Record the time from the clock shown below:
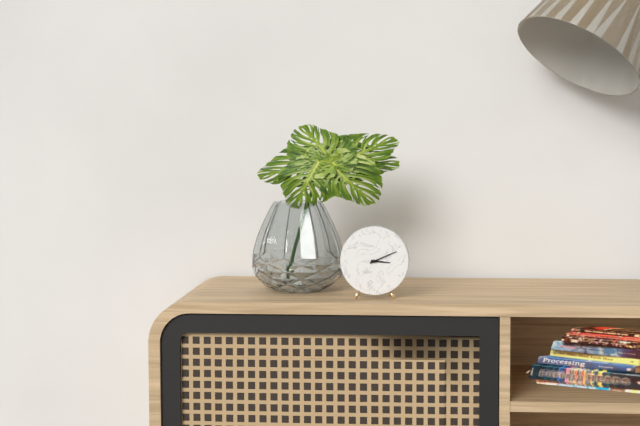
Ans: 3:11
